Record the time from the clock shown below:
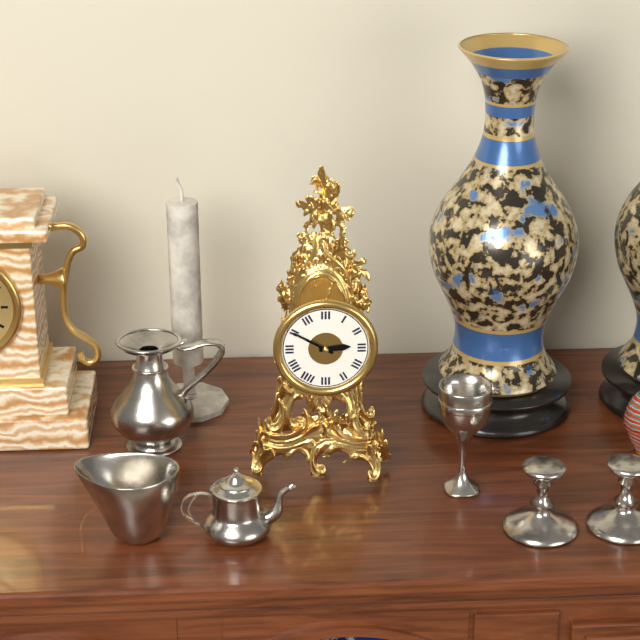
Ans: 2:50
